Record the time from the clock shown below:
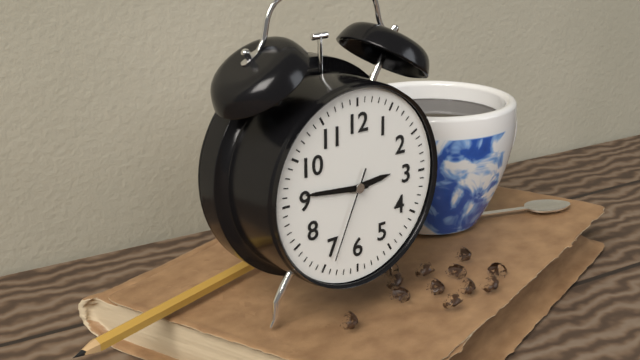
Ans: 2:46:34
